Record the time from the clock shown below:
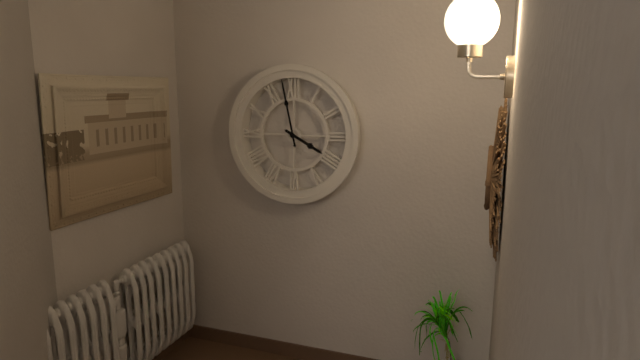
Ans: 3:58
